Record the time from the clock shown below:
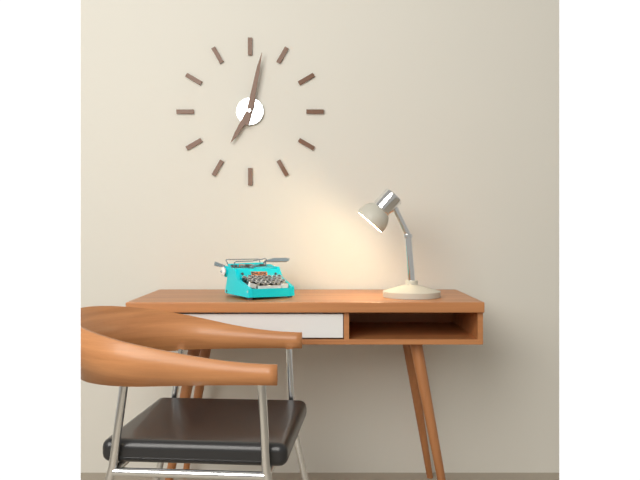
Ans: 7:02
